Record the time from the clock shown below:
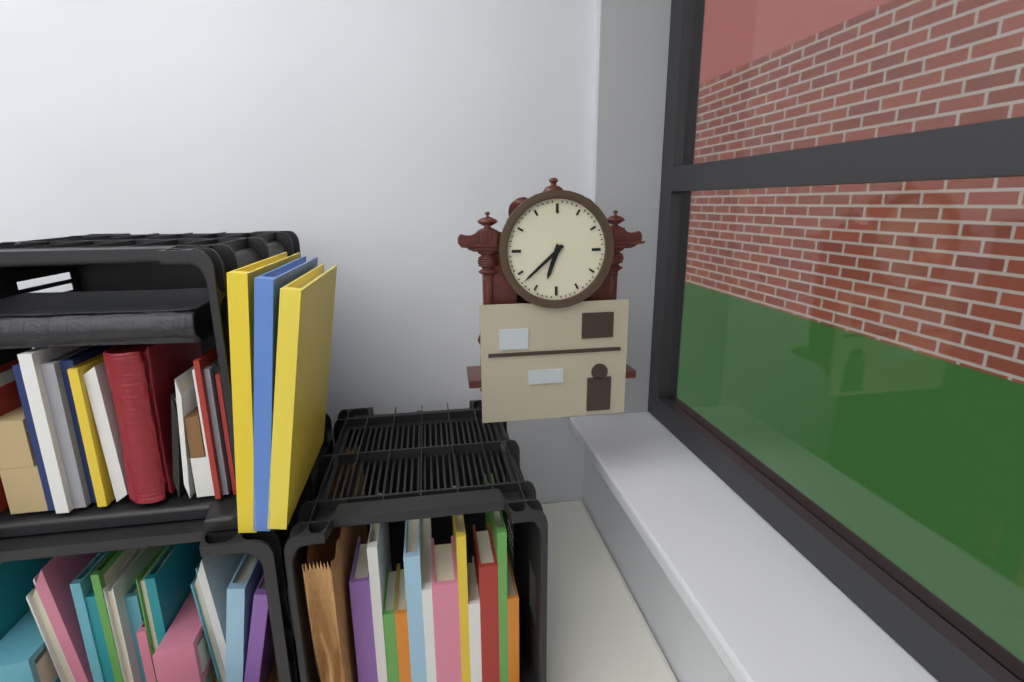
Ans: 6:38
